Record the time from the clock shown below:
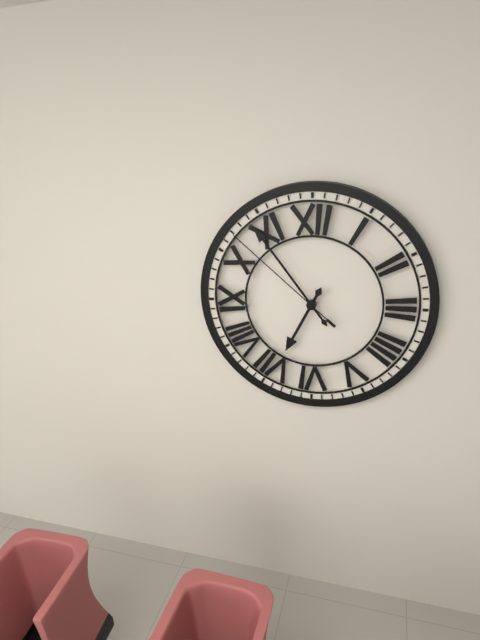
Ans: 6:54:52
